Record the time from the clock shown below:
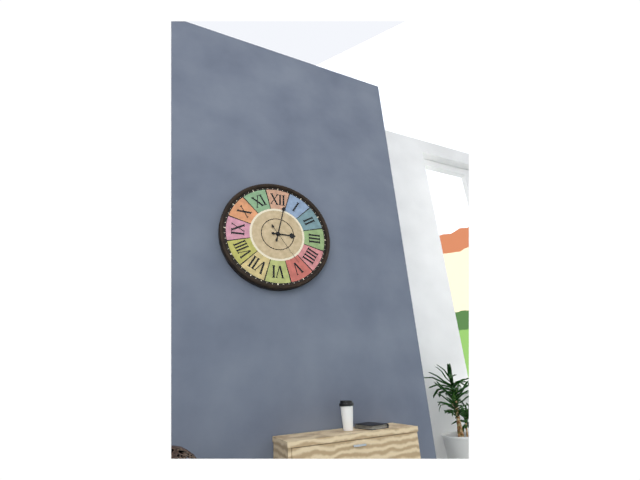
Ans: 3:02
